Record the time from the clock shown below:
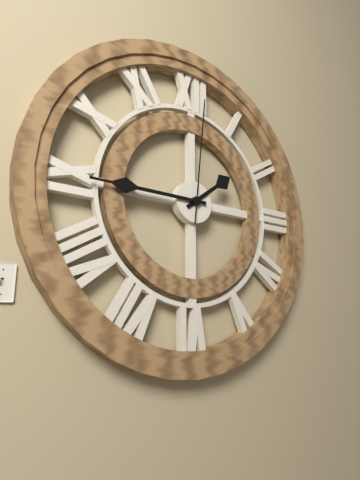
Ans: 1:45:01
